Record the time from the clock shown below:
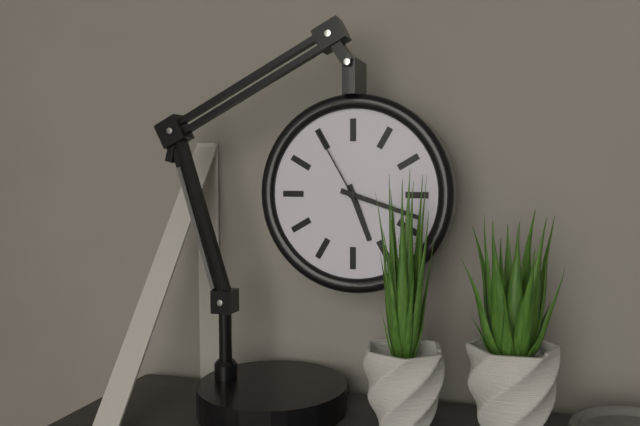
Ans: 5:18:55
